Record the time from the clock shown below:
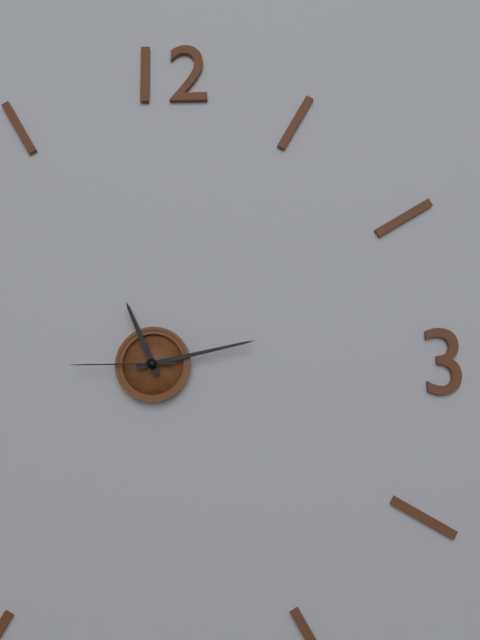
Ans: 11:13:45
